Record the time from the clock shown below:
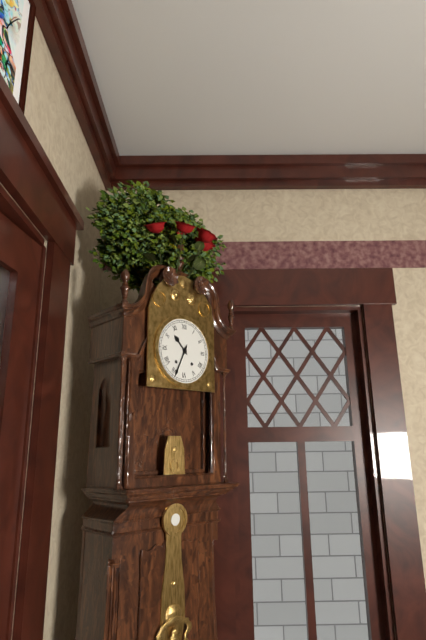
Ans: 10:34
